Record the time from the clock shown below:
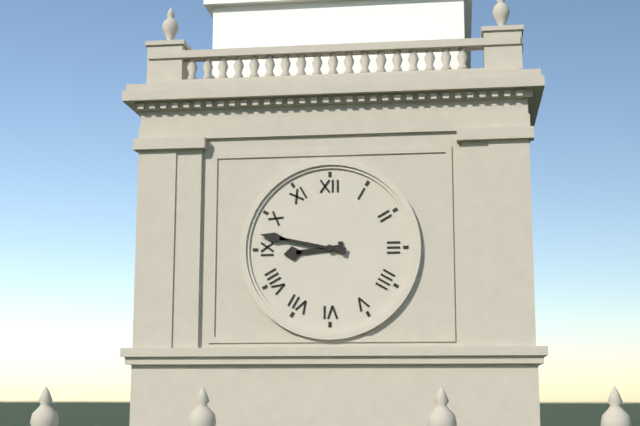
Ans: 8:47
